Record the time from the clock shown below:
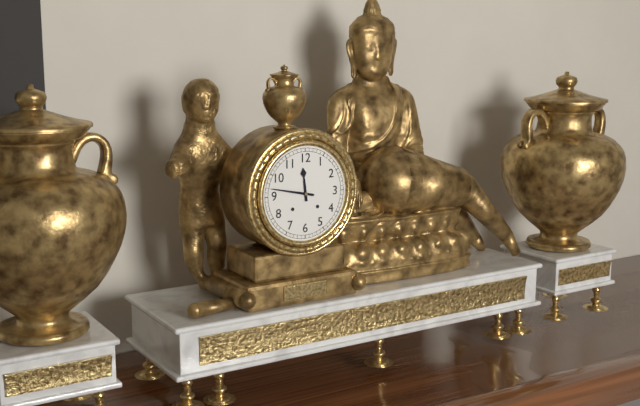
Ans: 11:47
